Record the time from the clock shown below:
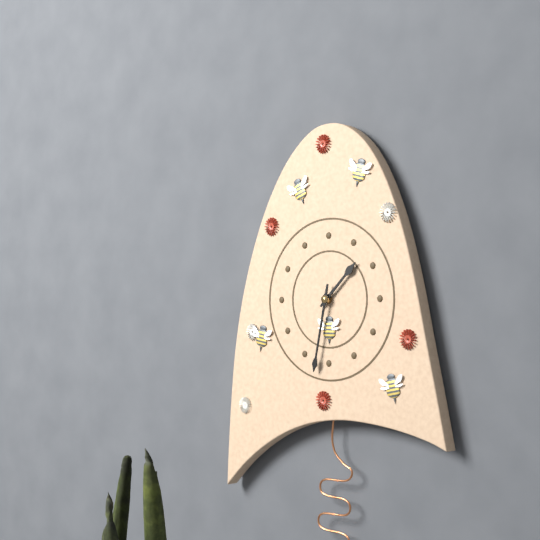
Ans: 1:32
